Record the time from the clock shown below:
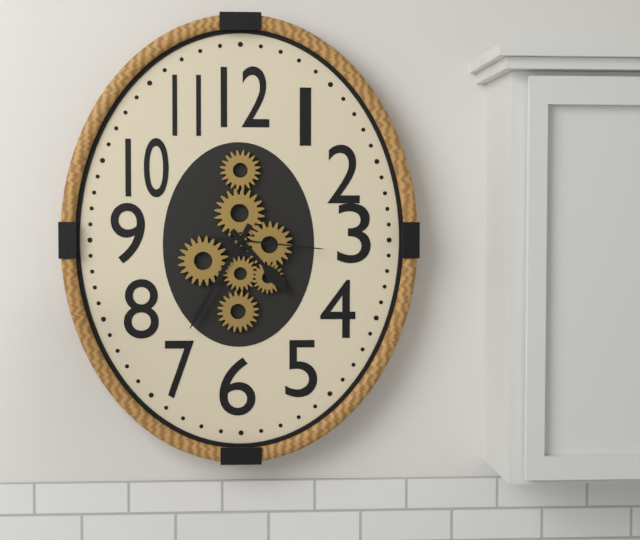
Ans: 4:35:16
